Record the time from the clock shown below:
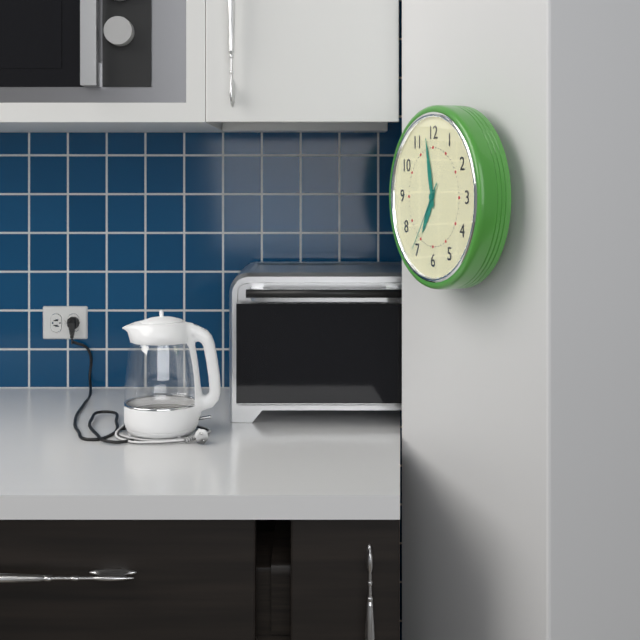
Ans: 6:58:36
